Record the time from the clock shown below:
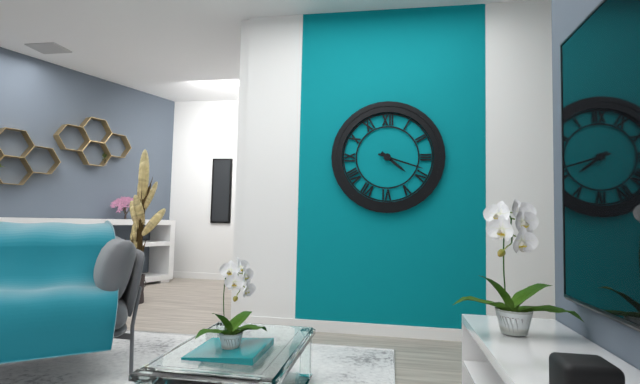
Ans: 4:18
